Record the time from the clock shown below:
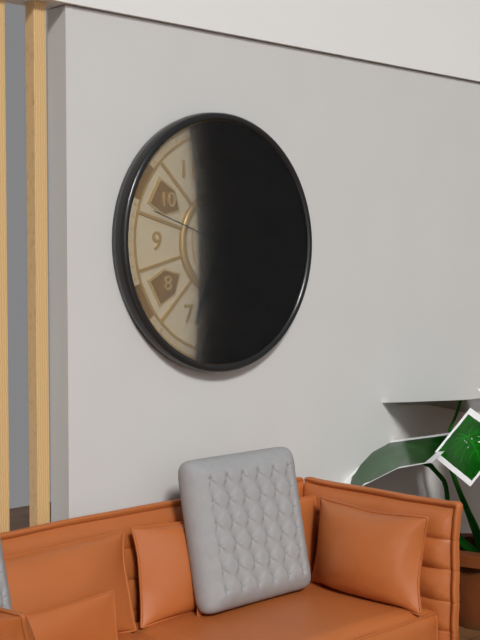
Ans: 6:34:48
